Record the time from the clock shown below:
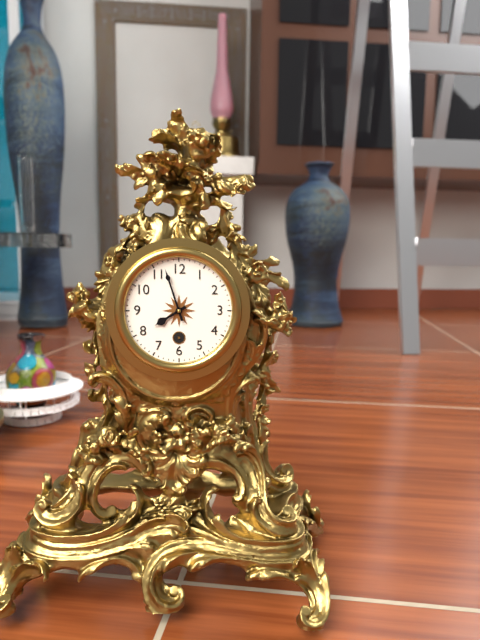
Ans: 7:57
